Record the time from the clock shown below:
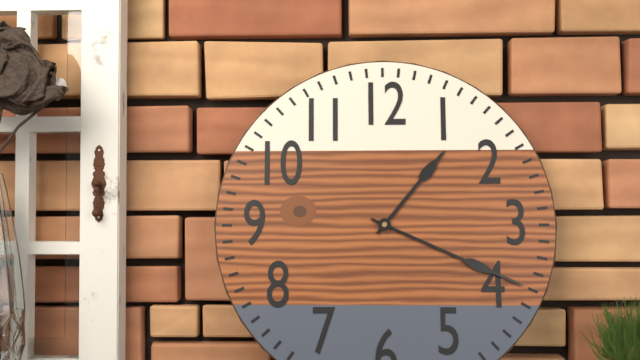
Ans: 1:19
